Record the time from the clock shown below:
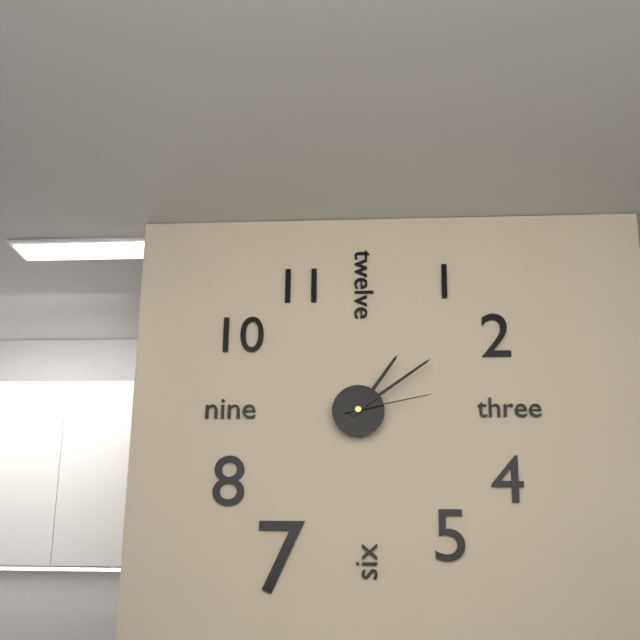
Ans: 1:09:13
